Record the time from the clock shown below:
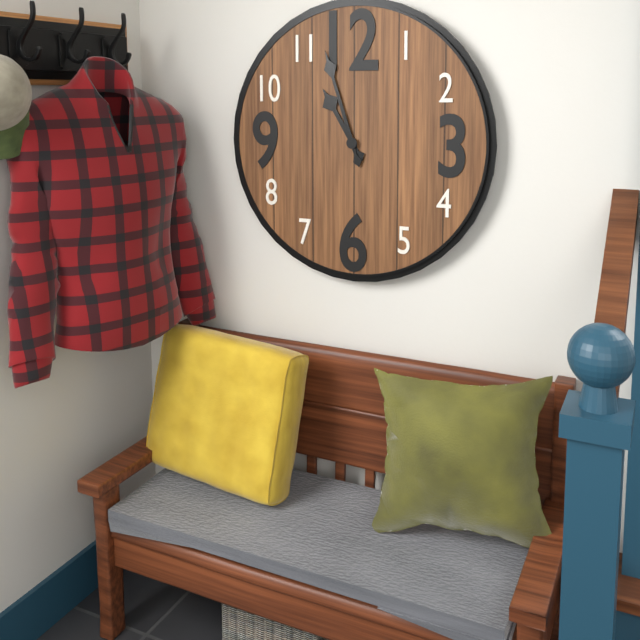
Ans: 10:57
